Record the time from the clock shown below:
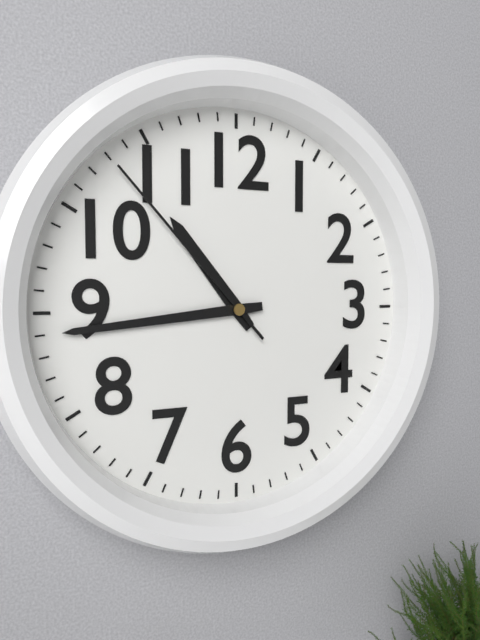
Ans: 10:44:53
